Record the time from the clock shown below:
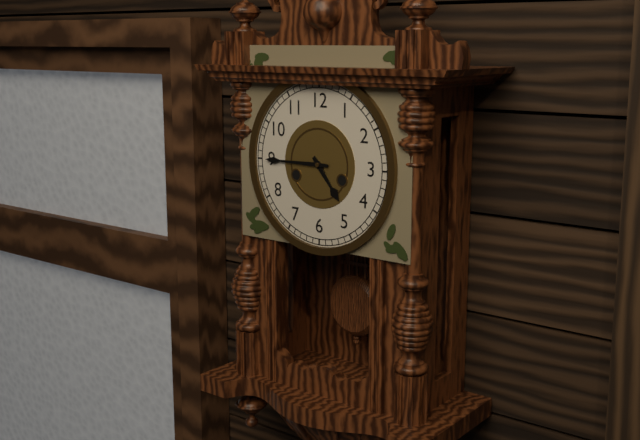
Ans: 4:45
